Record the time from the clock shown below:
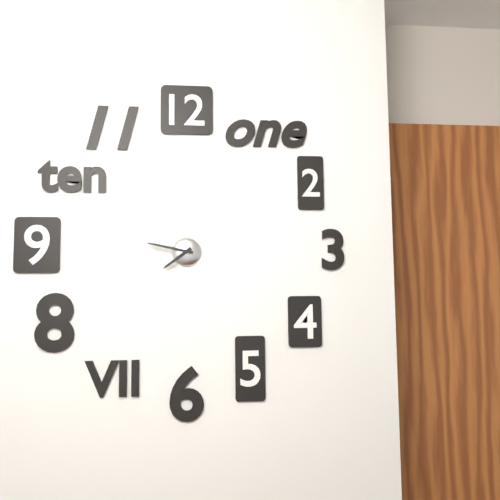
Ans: 7:47
